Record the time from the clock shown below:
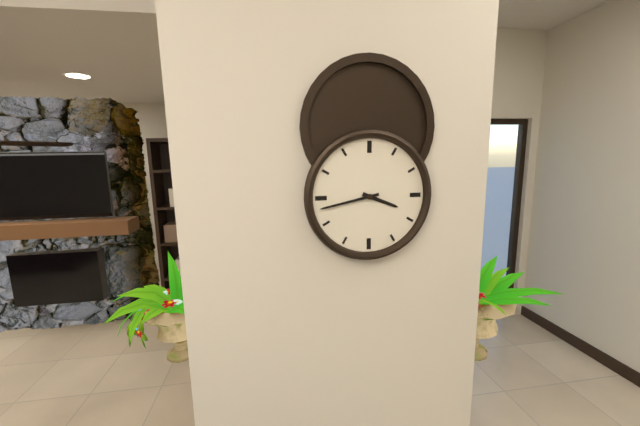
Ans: 3:43
